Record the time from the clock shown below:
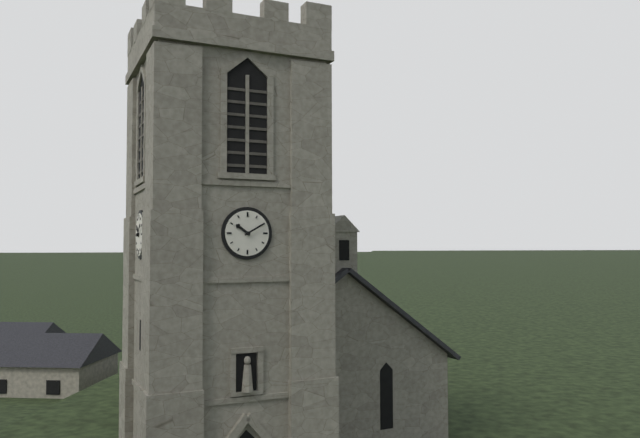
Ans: 10:10
